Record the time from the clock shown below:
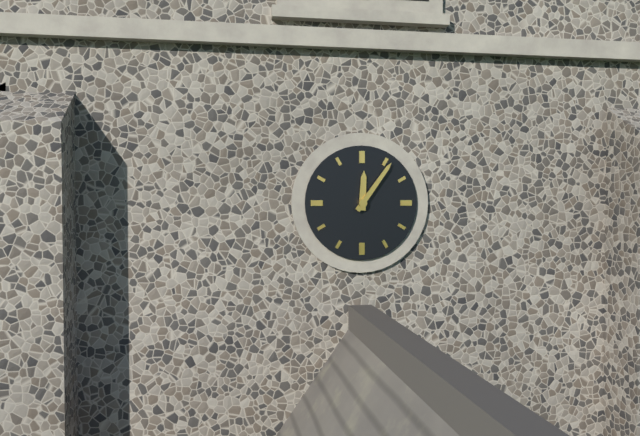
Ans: 12:06
